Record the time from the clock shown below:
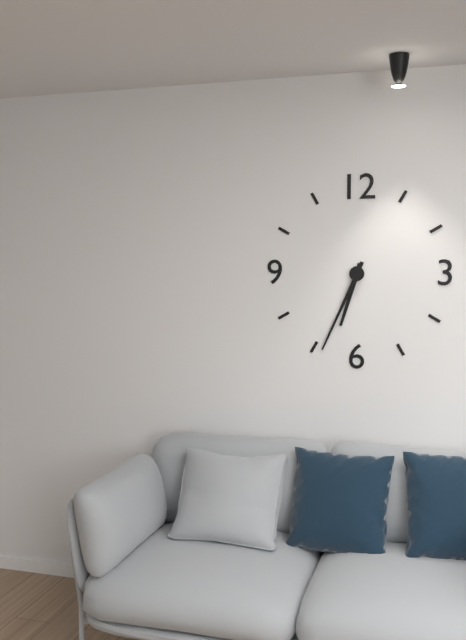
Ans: 6:34
